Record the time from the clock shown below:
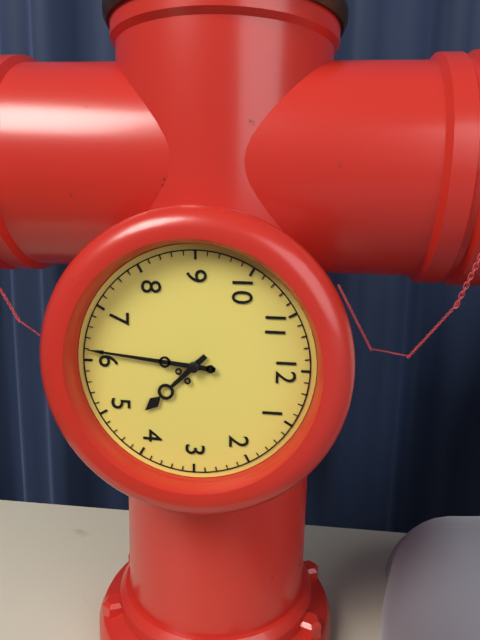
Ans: 4:31
